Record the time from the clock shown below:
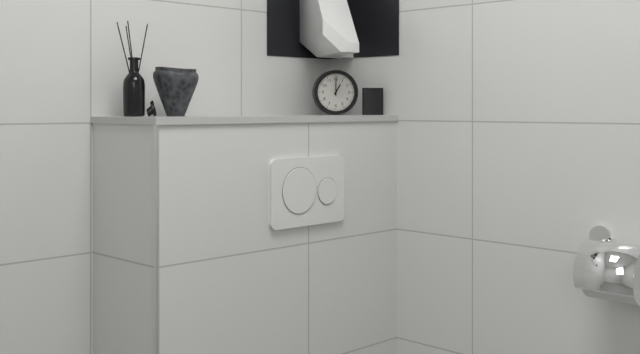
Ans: 1:00
